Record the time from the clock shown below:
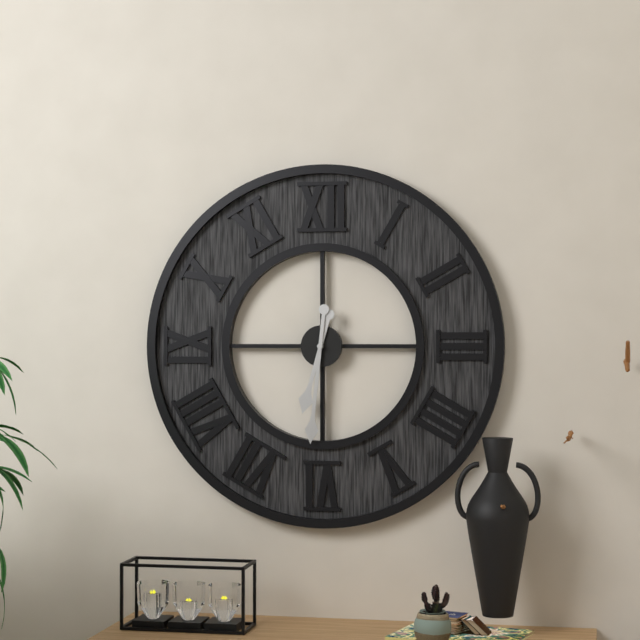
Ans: 6:31
